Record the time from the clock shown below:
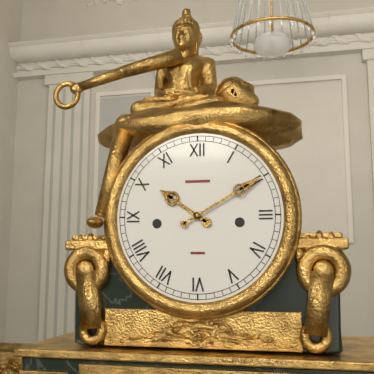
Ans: 10:10
